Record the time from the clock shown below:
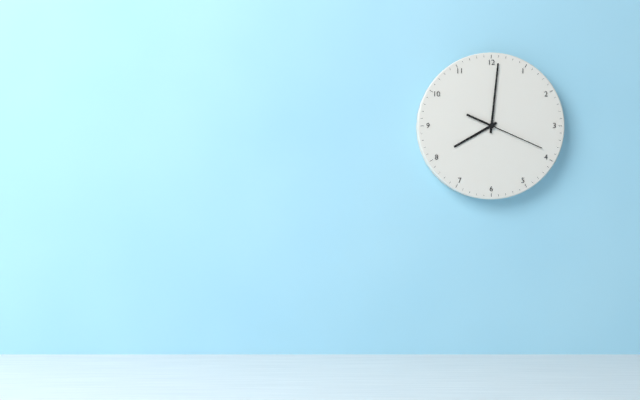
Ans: 8:01:19
